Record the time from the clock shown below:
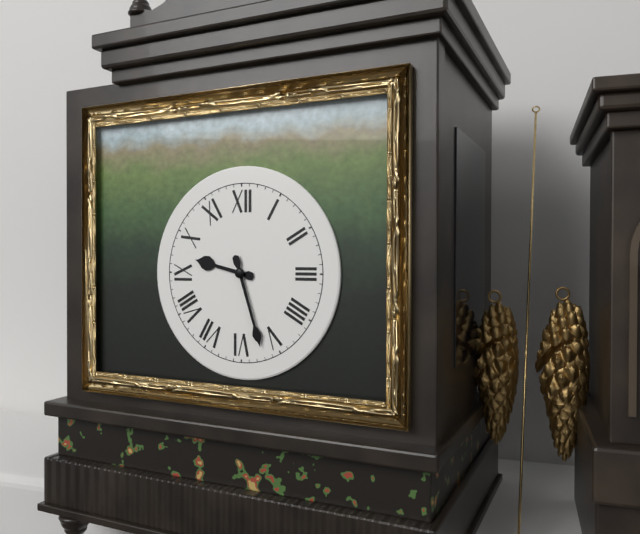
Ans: 9:27
